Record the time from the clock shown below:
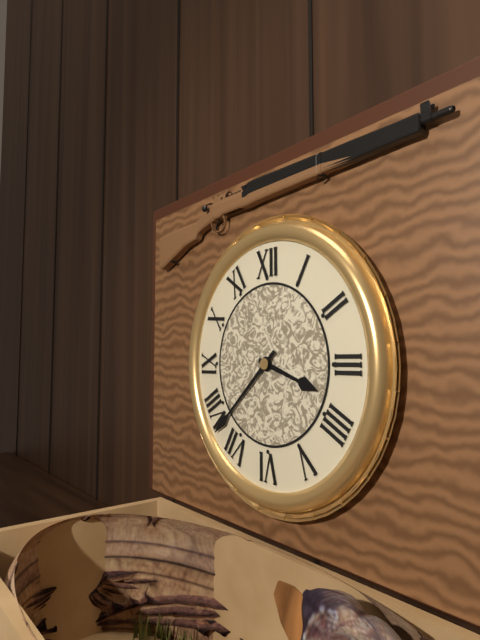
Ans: 3:38
